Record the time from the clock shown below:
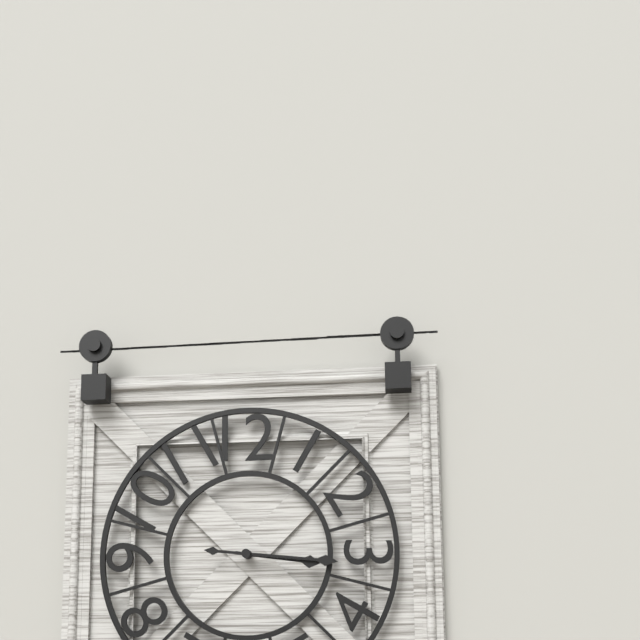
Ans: 3:16
